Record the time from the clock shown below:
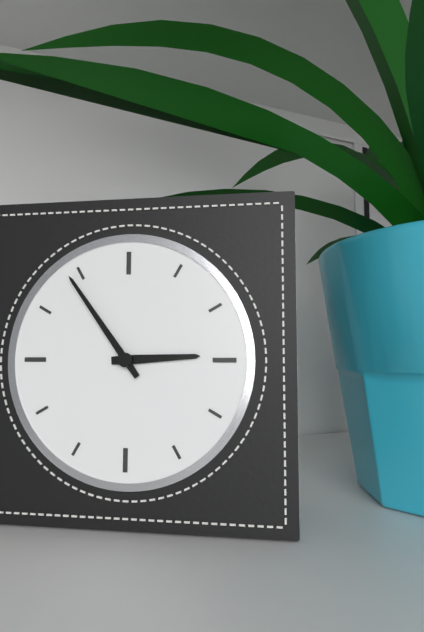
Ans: 2:54
